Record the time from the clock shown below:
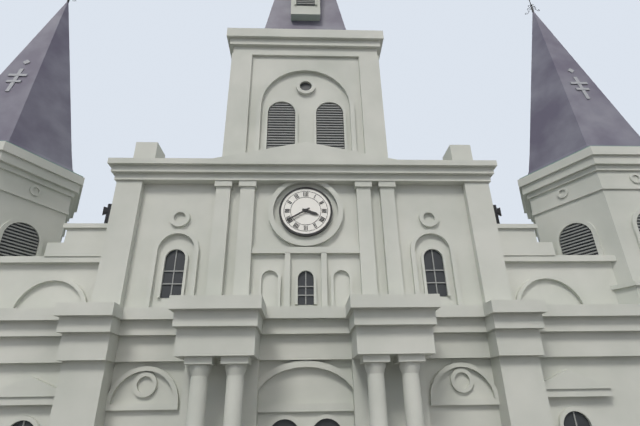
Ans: 3:40
